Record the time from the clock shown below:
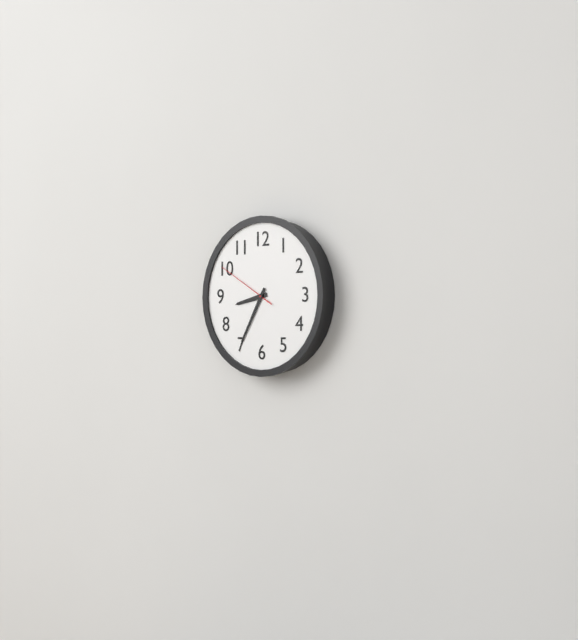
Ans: 8:35:50
